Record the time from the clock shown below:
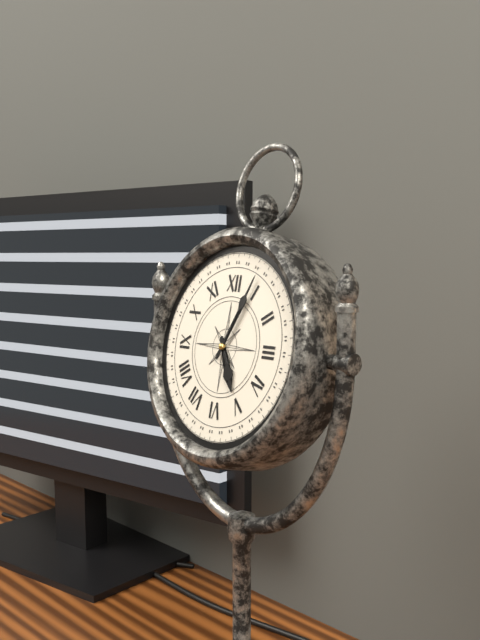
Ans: 5:04
